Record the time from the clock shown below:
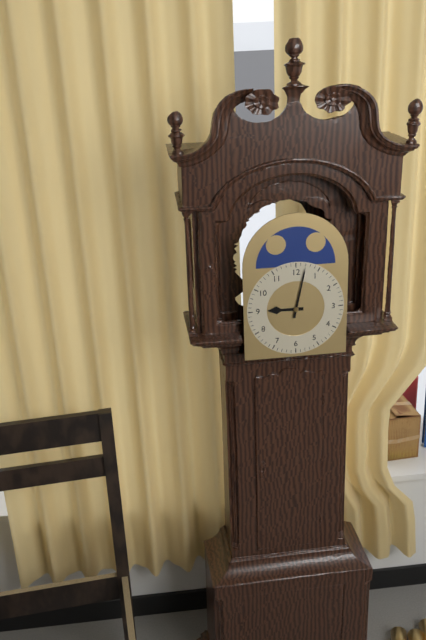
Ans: 9:02
